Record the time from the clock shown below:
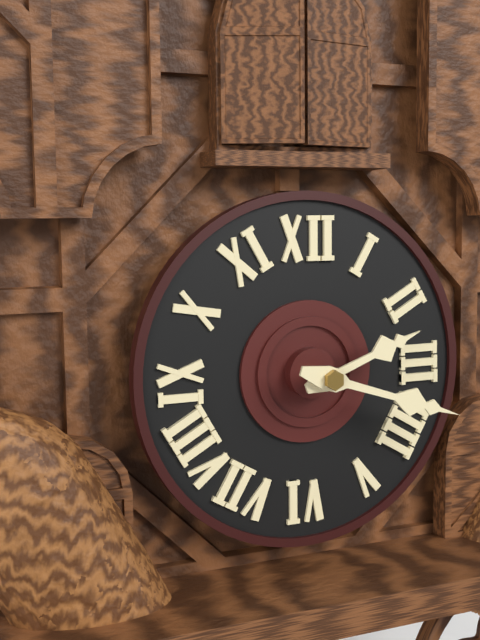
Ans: 2:18
